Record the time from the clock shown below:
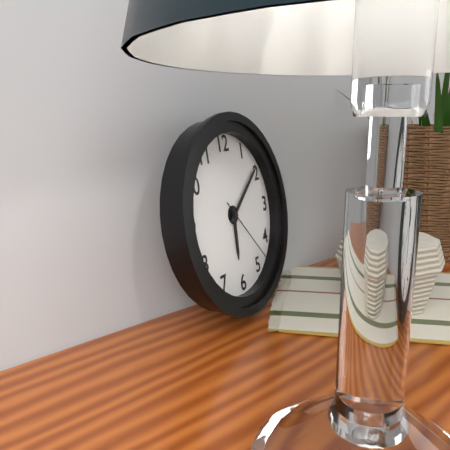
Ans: 6:09:23
